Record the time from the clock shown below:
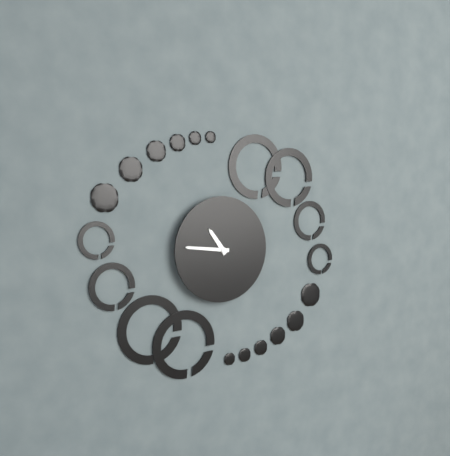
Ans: 10:46
